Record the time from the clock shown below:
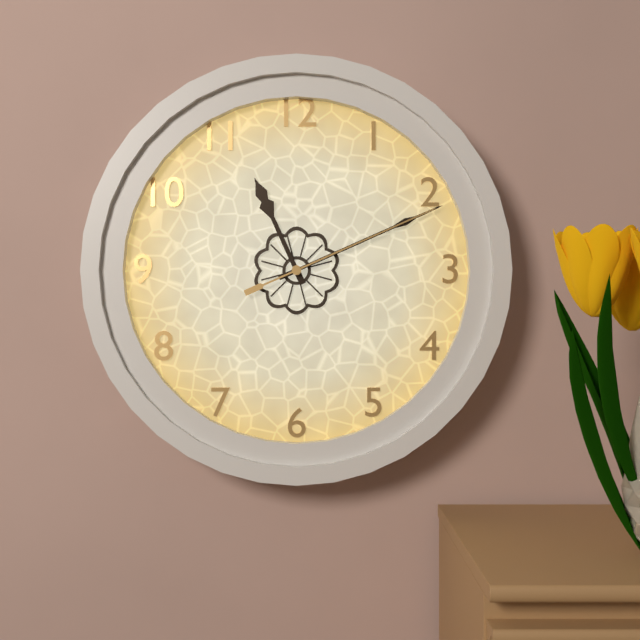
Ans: 11:11:11
